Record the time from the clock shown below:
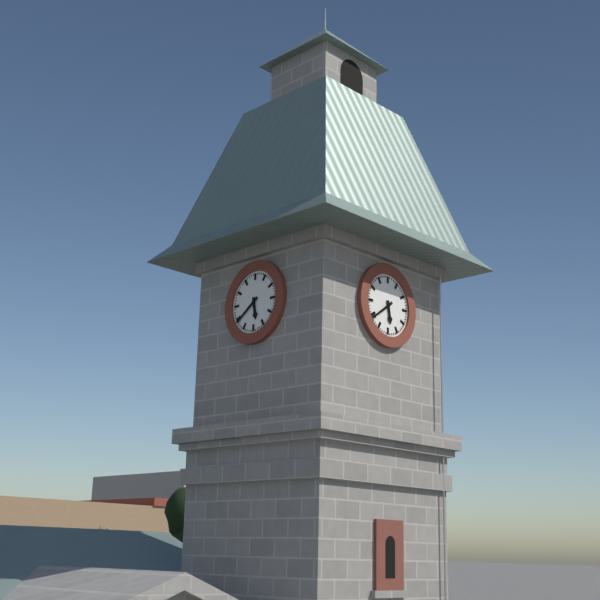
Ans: 5:39
